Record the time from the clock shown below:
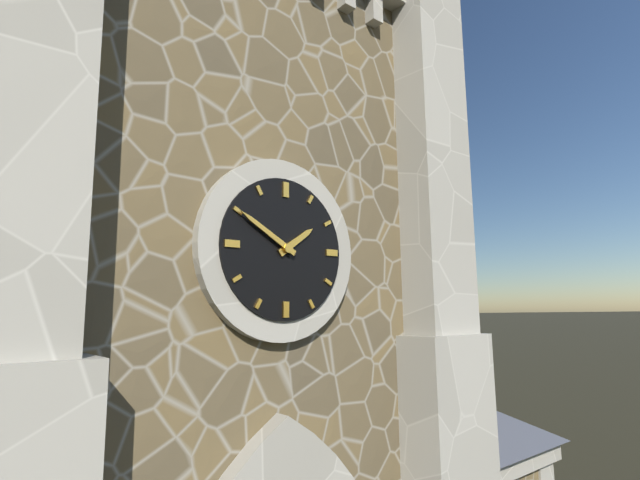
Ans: 1:50
